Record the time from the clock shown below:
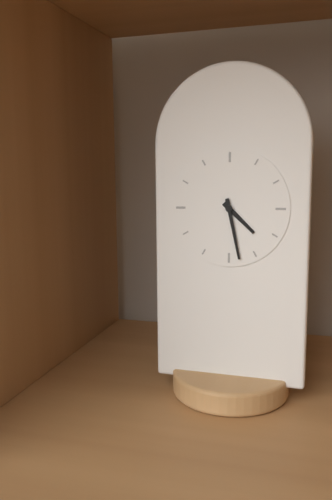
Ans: 4:28
